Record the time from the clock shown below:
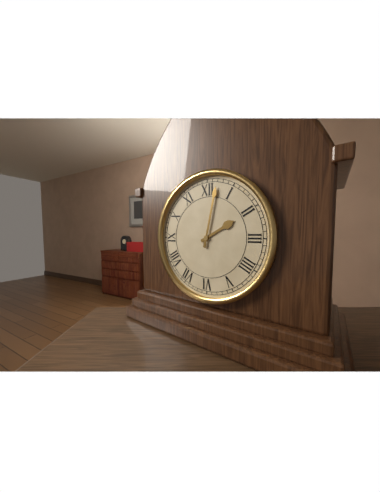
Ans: 2:02
